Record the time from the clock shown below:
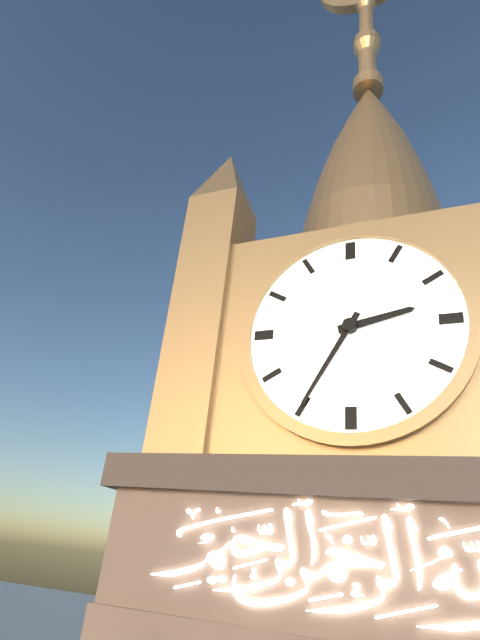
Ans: 2:35
